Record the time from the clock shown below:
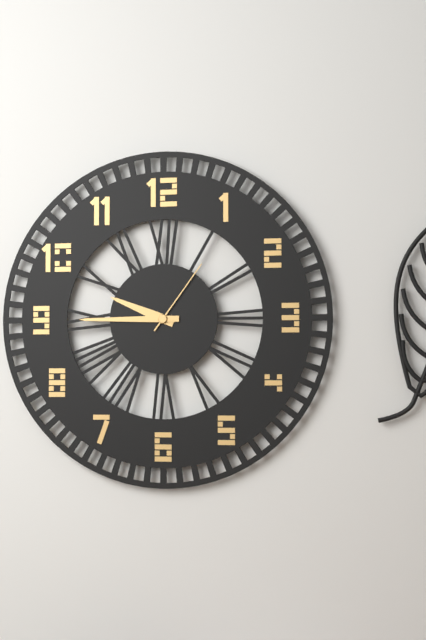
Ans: 9:45:06
